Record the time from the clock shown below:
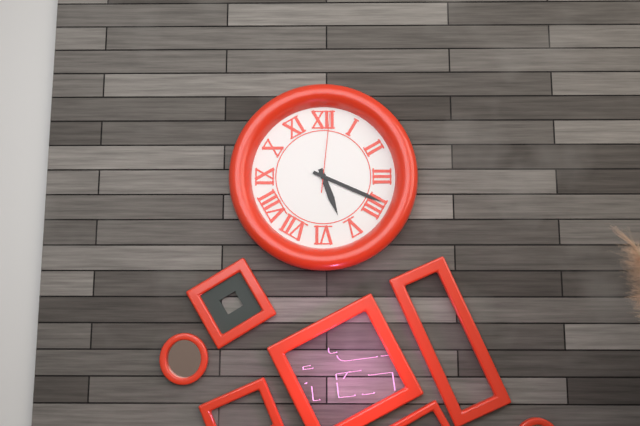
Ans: 5:19:01
